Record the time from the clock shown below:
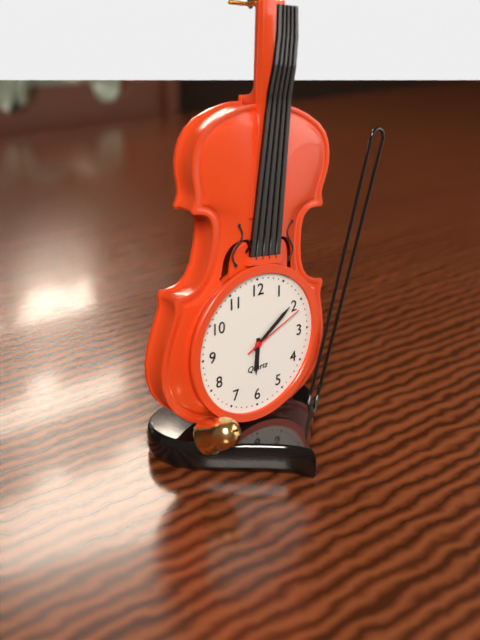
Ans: 6:09:11
